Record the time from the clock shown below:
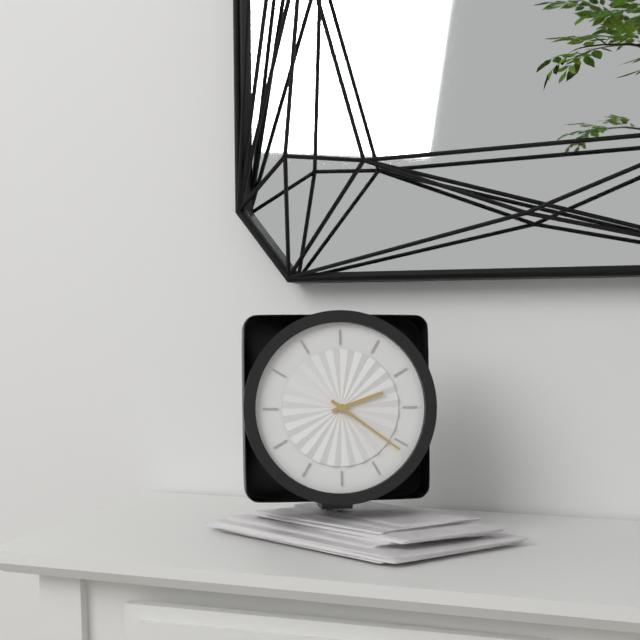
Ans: 2:21
